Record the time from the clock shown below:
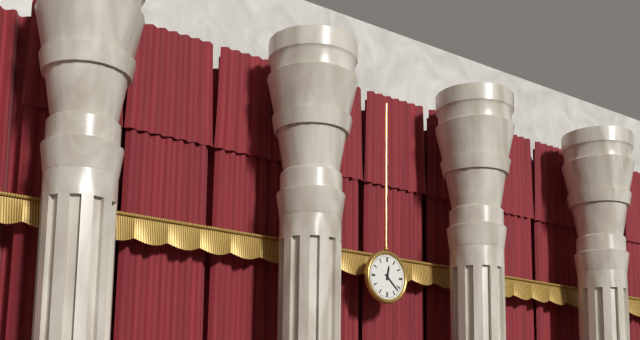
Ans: 12:22
